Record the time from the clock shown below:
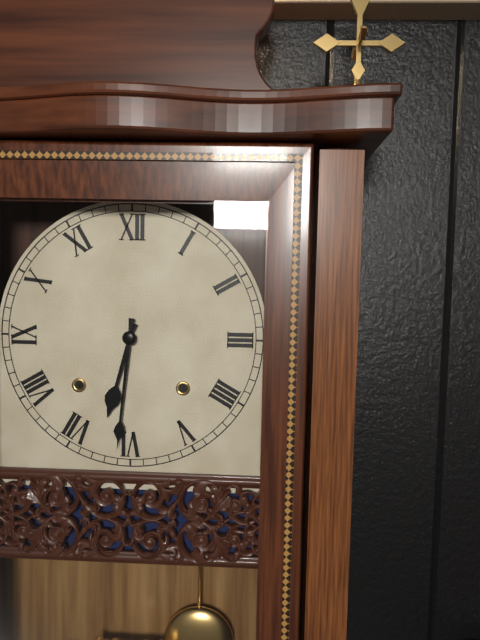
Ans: 6:31
